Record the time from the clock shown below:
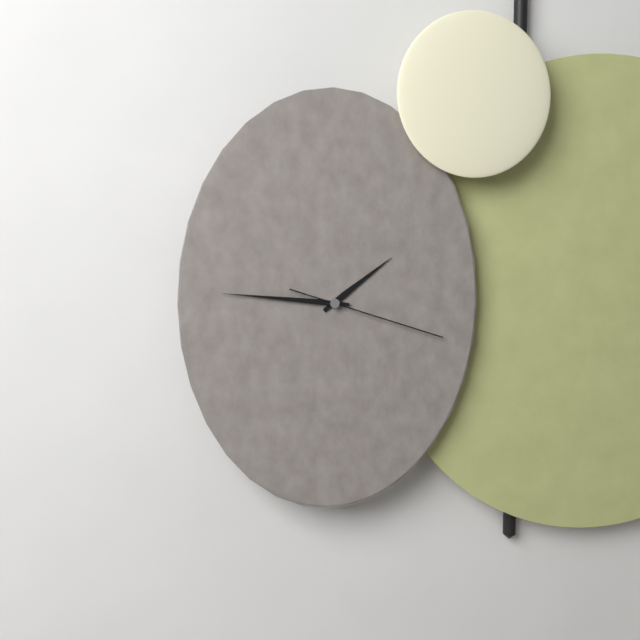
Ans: 1:46:18
